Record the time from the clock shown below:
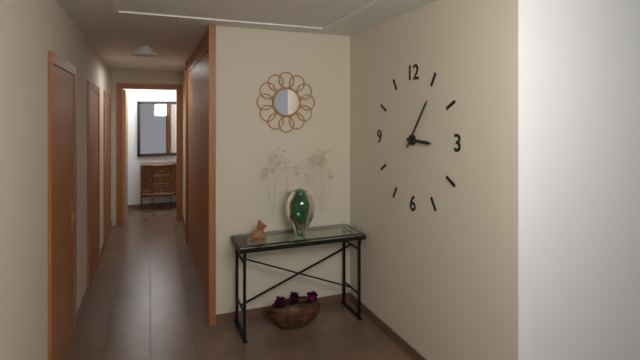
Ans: 3:06
